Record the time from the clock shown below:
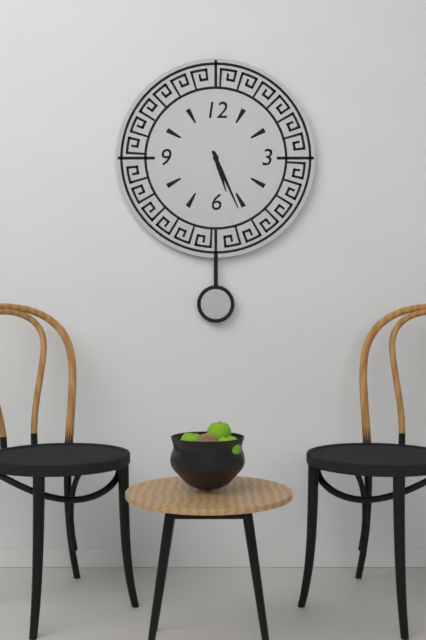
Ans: 5:26
